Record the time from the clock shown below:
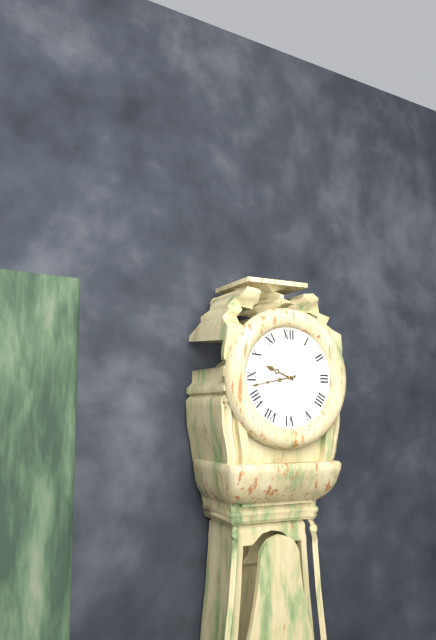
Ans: 9:43
